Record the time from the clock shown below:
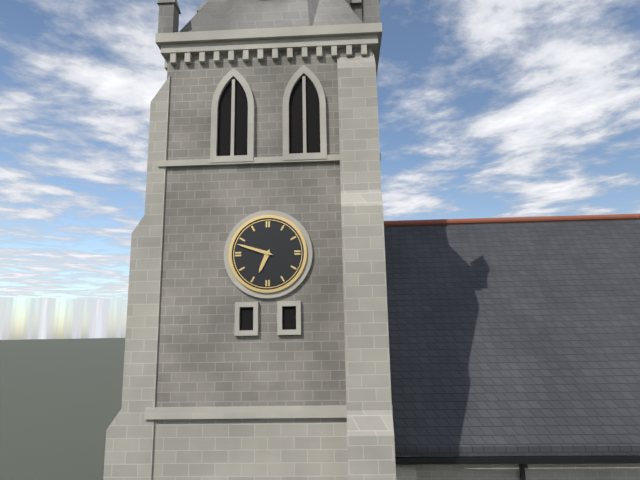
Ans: 6:48
